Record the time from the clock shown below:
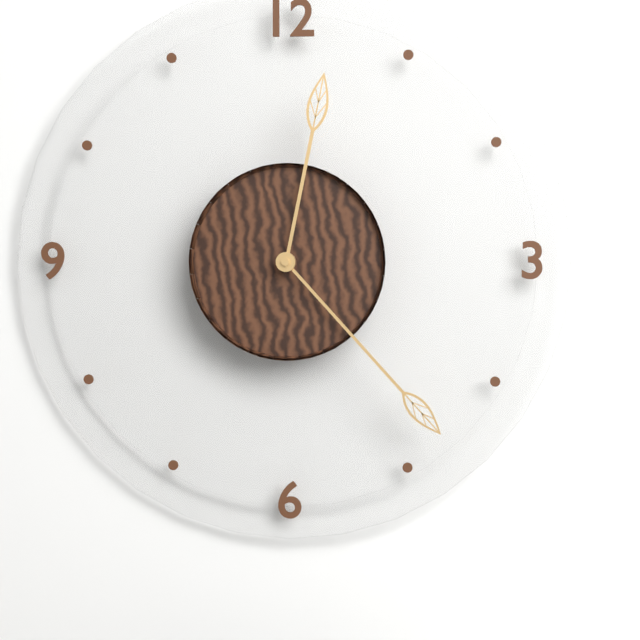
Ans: 12:23
